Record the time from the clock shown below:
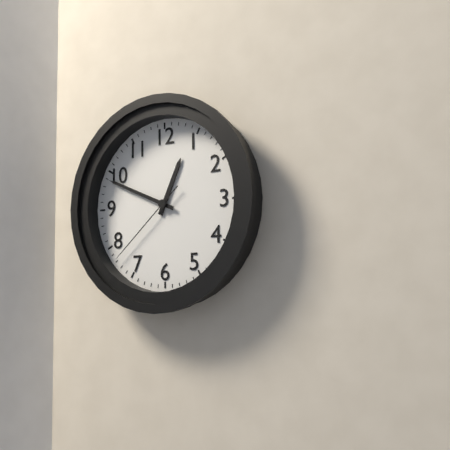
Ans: 12:49:38
